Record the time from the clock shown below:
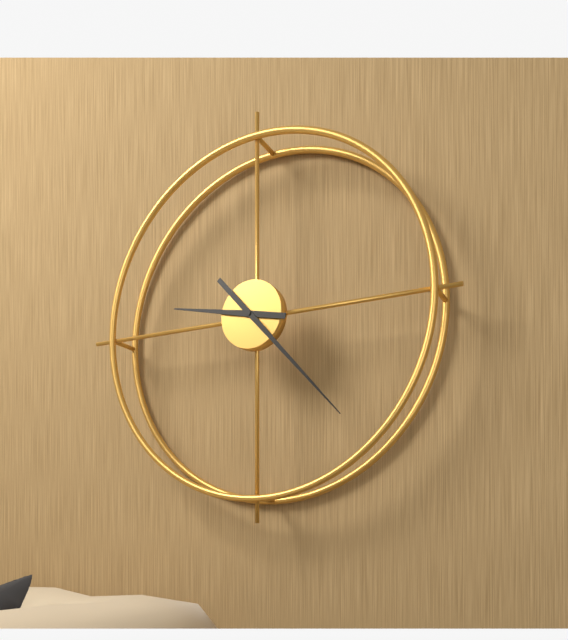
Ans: 9:23
